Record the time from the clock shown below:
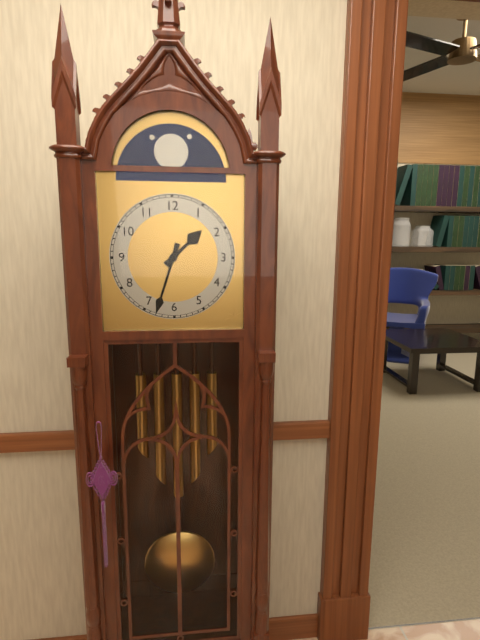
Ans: 1:33
